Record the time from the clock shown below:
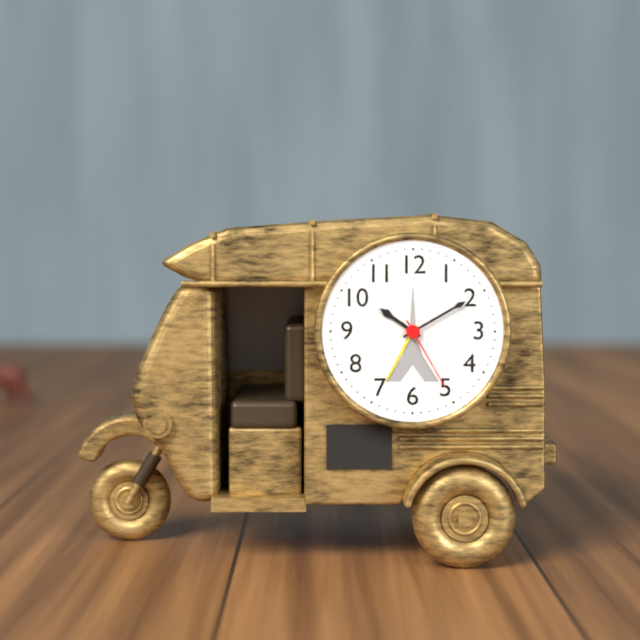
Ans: 10:10:25
